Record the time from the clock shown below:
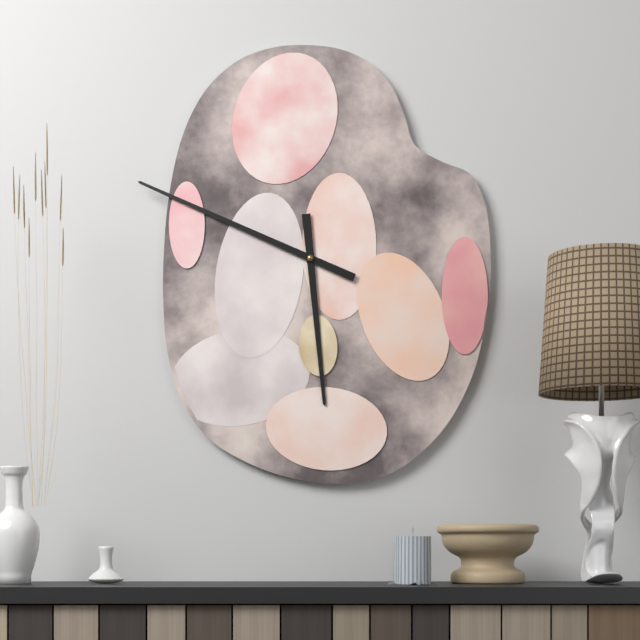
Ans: 5:49
